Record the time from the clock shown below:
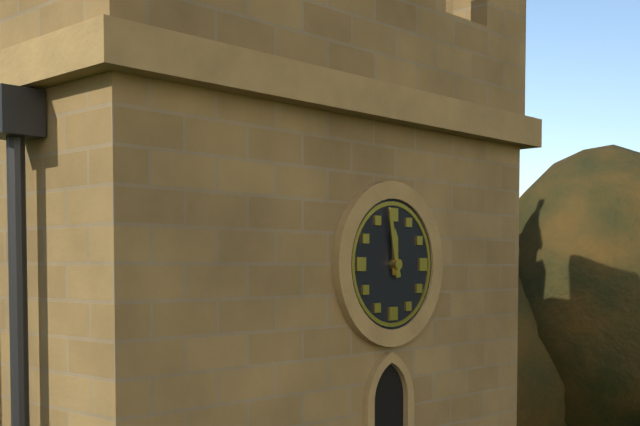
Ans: 11:58
